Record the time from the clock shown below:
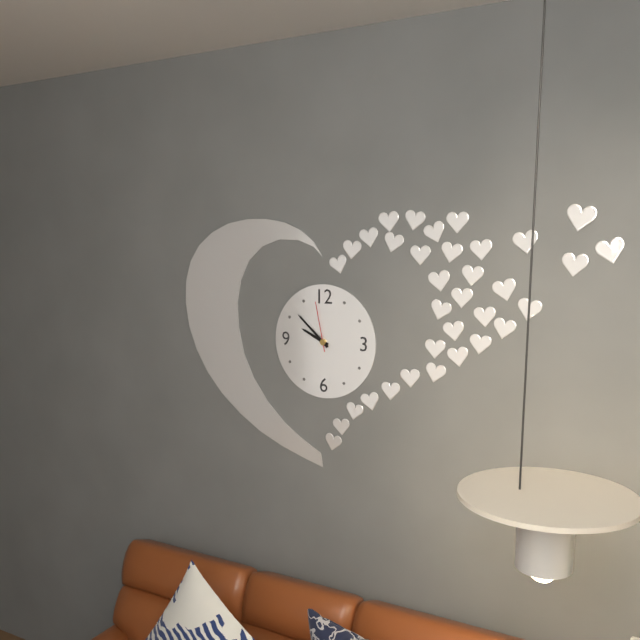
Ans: 9:52:58
